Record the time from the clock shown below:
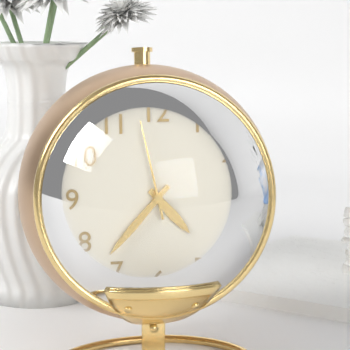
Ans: 4:37:58
